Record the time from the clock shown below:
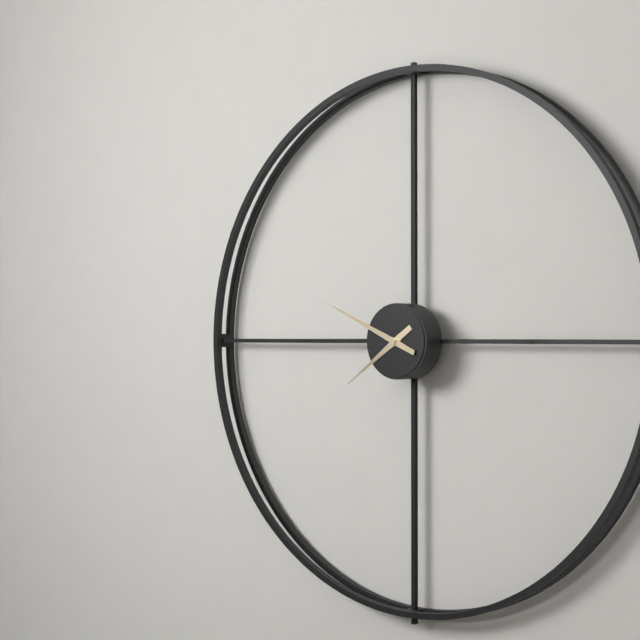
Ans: 7:49
